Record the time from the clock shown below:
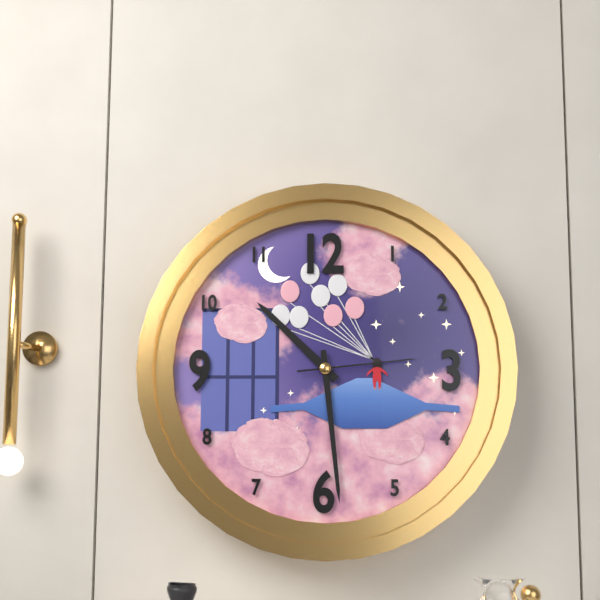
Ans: 10:29:14
